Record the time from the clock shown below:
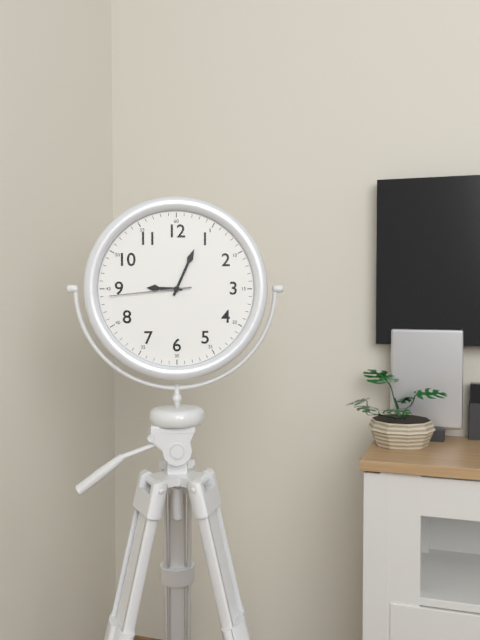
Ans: 9:04:44
